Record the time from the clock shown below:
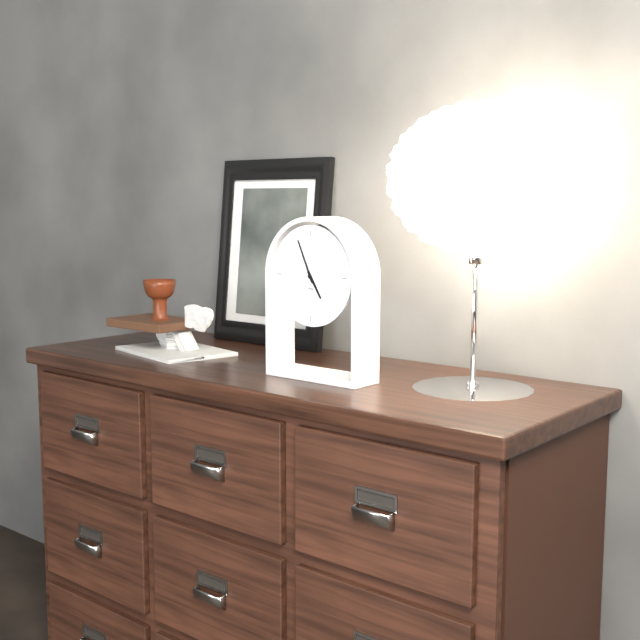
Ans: 4:56
